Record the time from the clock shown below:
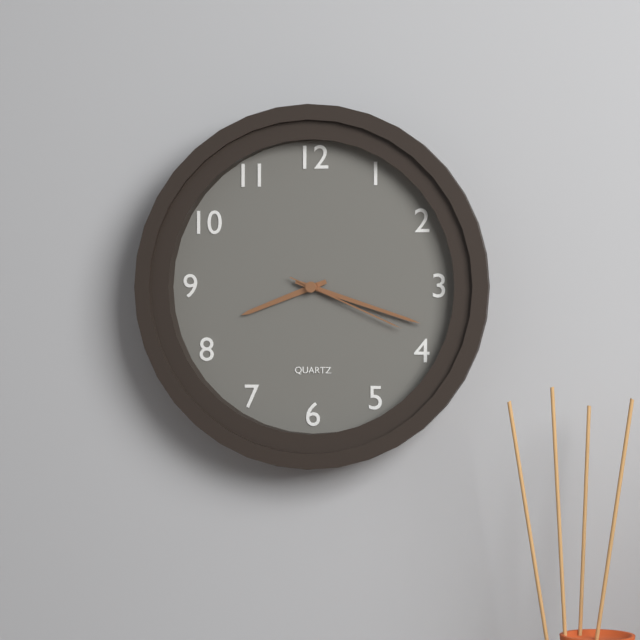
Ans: 8:18:19
